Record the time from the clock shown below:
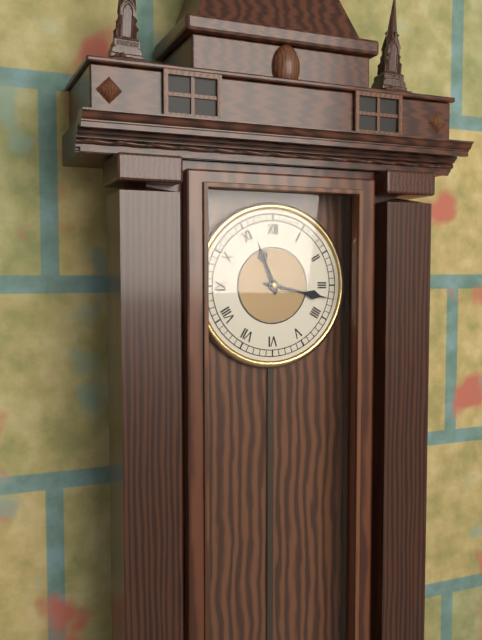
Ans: 11:17
